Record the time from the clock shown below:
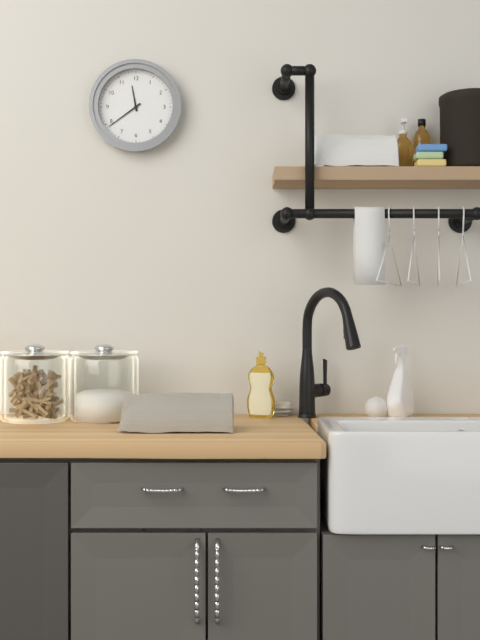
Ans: 11:39
